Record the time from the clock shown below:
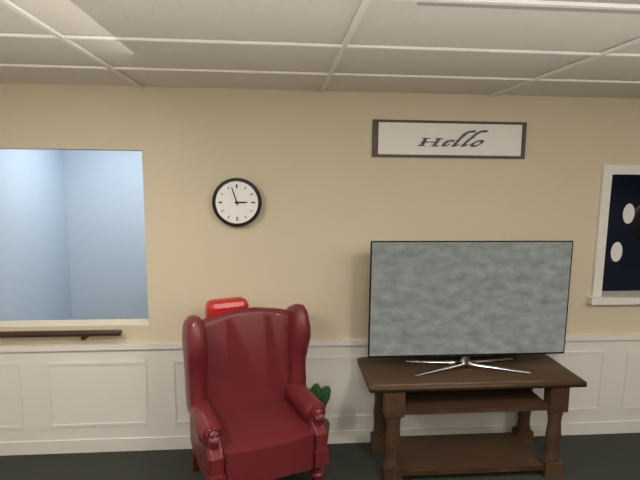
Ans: 2:57
